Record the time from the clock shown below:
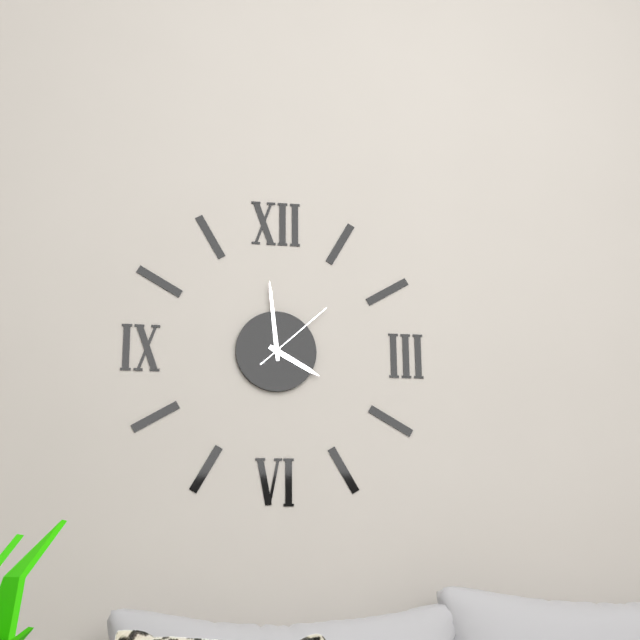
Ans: 3:59:08
